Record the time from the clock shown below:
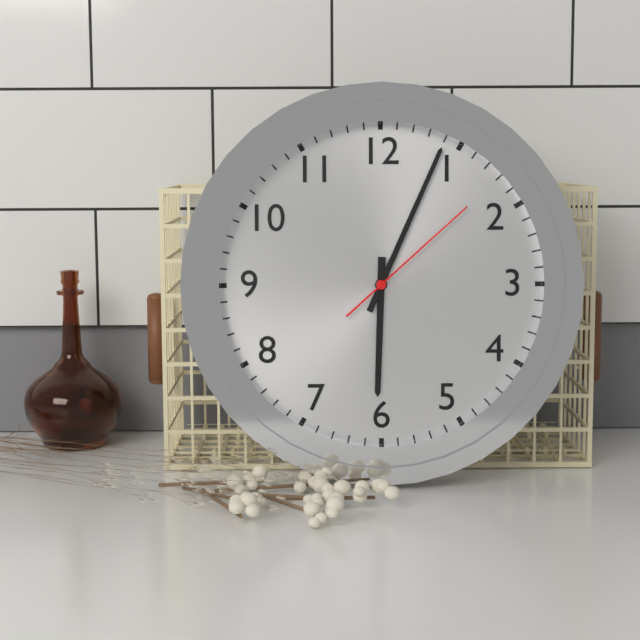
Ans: 6:04:08
